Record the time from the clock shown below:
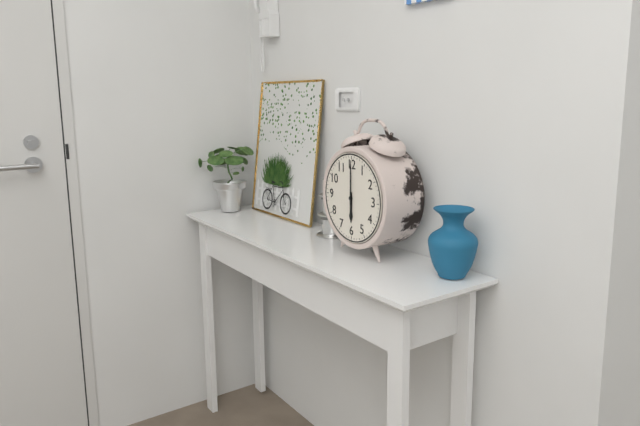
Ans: 6:00
